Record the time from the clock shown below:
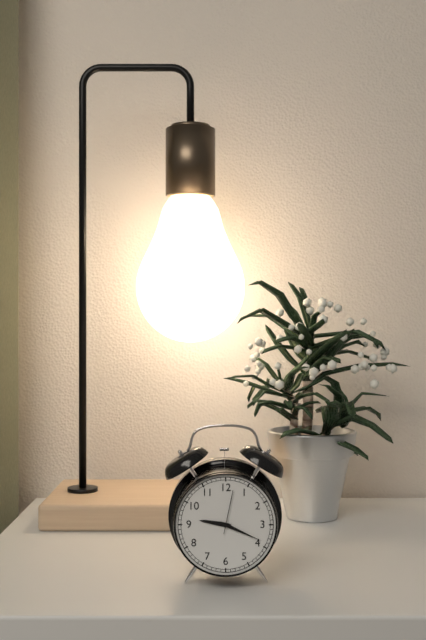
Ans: 9:19
